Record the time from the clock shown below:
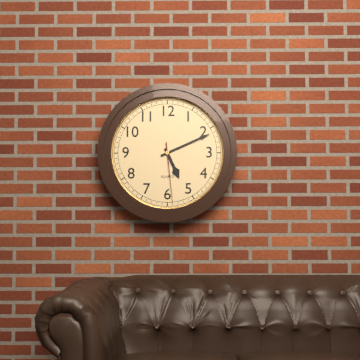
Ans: 5:11:29
